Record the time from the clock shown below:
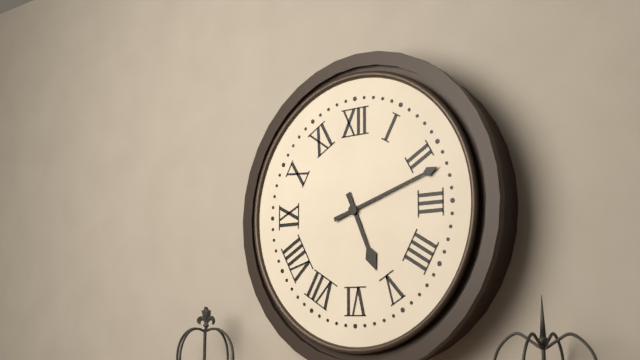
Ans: 5:12
